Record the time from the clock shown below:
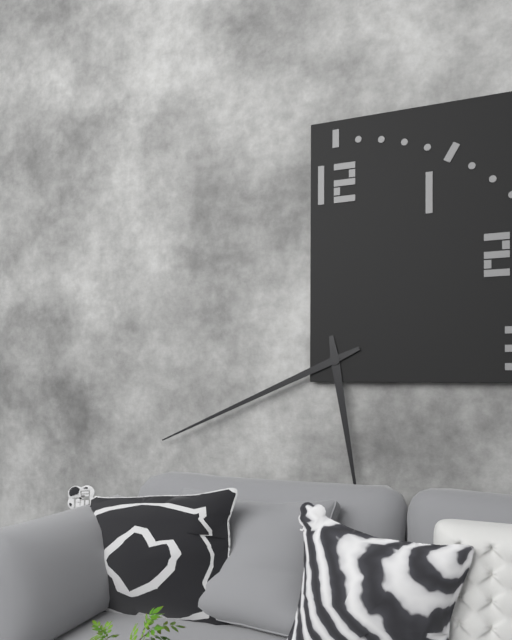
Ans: 5:41
